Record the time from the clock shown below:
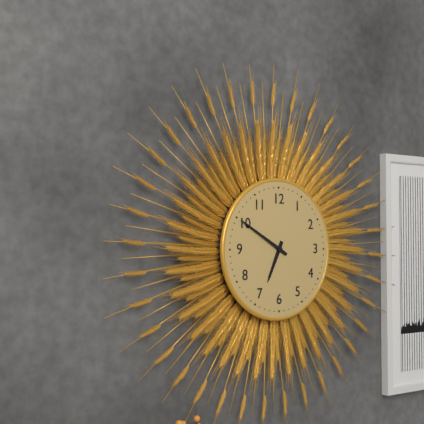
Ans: 6:50
